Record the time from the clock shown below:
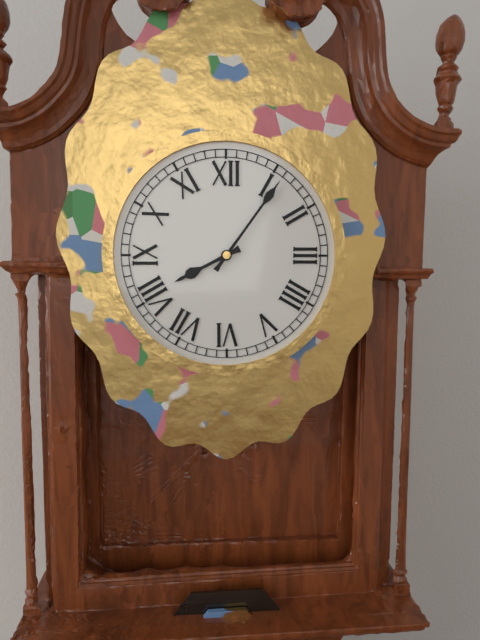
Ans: 8:06
